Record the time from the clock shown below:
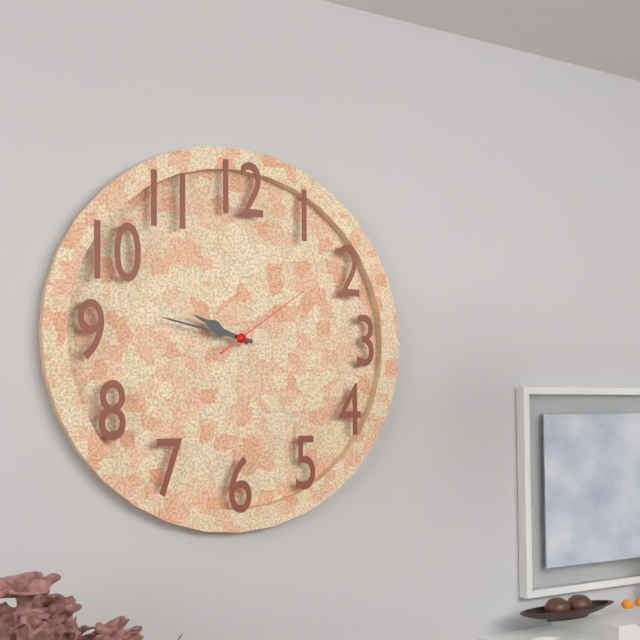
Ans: 9:47:09
